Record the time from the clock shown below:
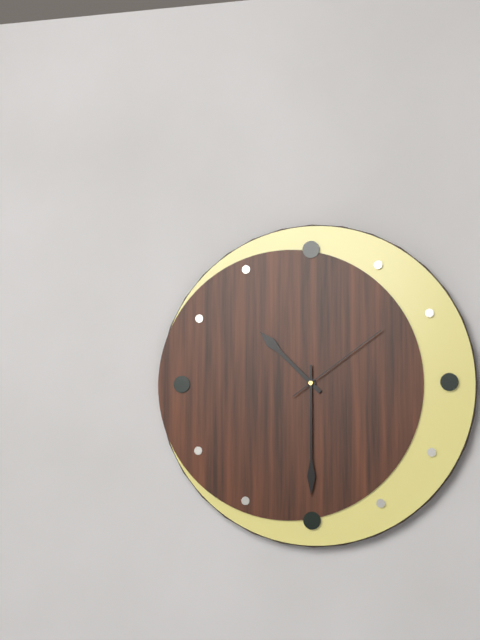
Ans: 10:30:09
